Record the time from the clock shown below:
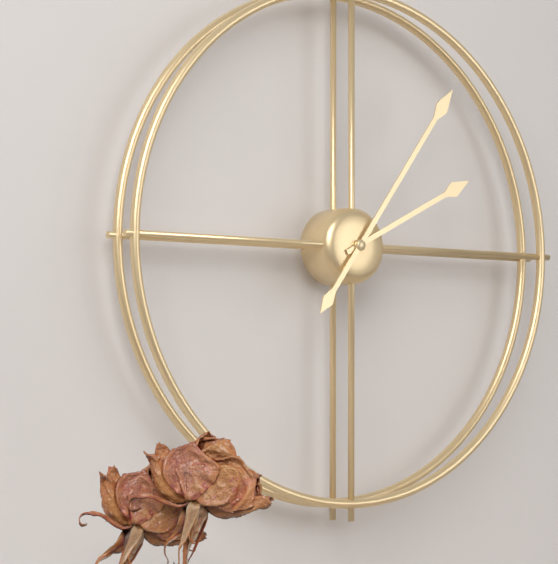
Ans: 2:06
